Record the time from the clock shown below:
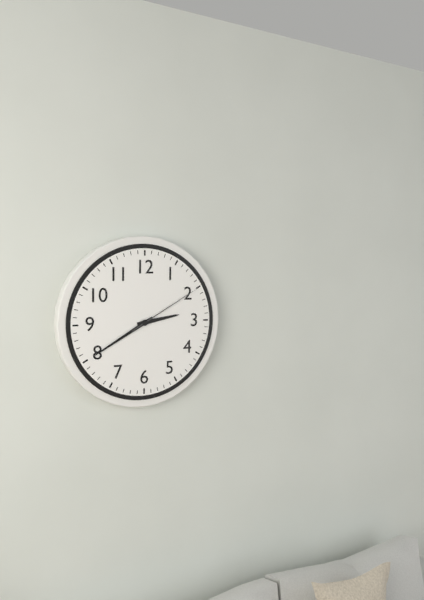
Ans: 2:40:10
